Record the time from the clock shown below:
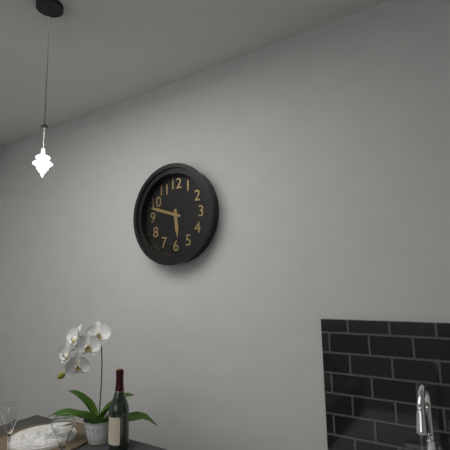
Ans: 5:48
